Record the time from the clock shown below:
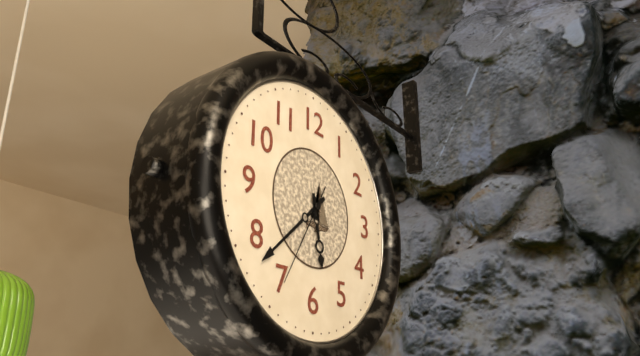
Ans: 5:38:35
